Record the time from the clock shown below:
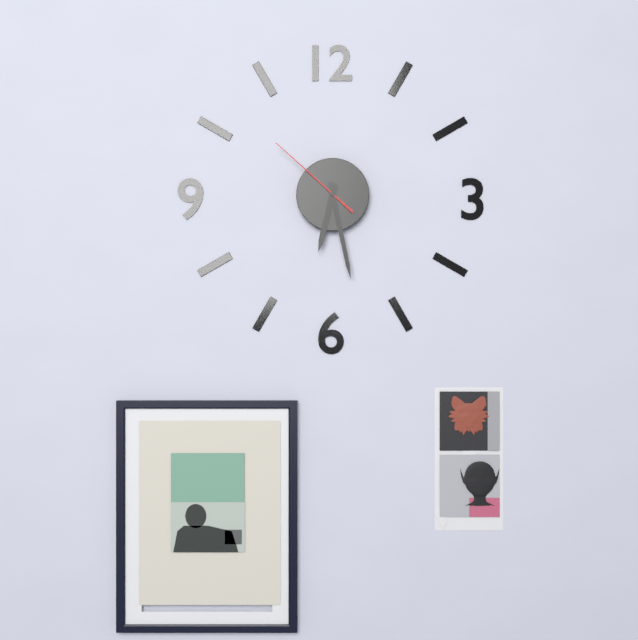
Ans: 6:28:52
